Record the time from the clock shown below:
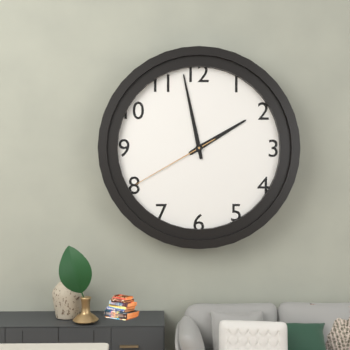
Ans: 1:58:40
